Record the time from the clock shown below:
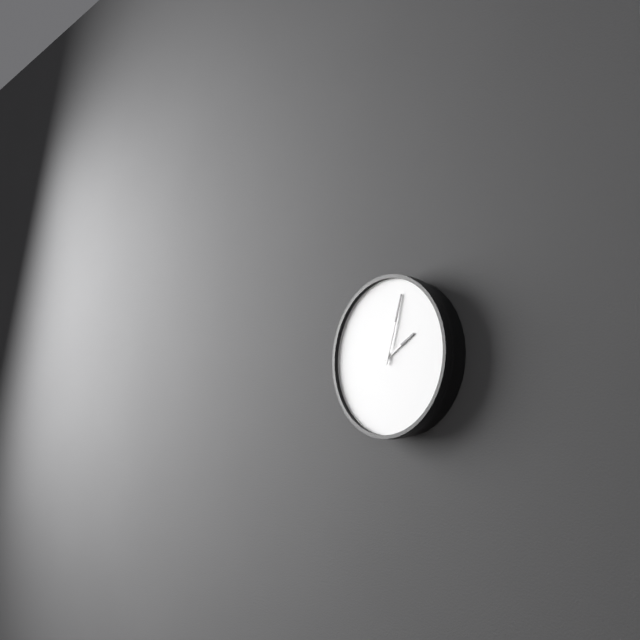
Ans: 2:03
